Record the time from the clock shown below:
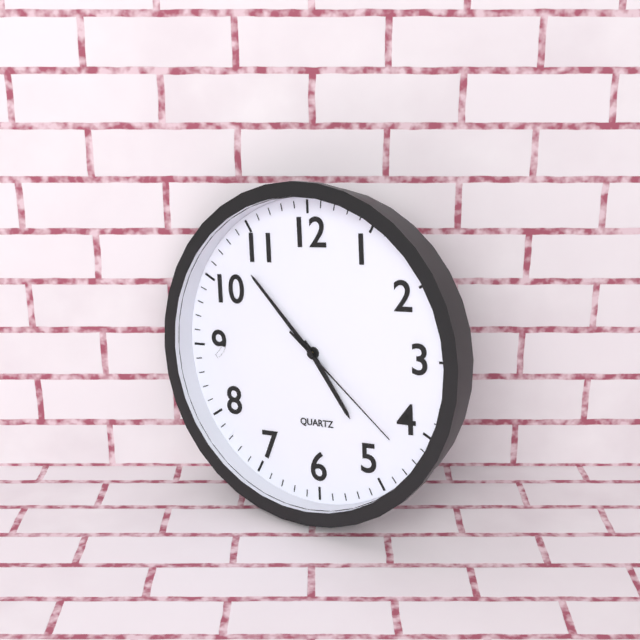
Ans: 4:53:22
